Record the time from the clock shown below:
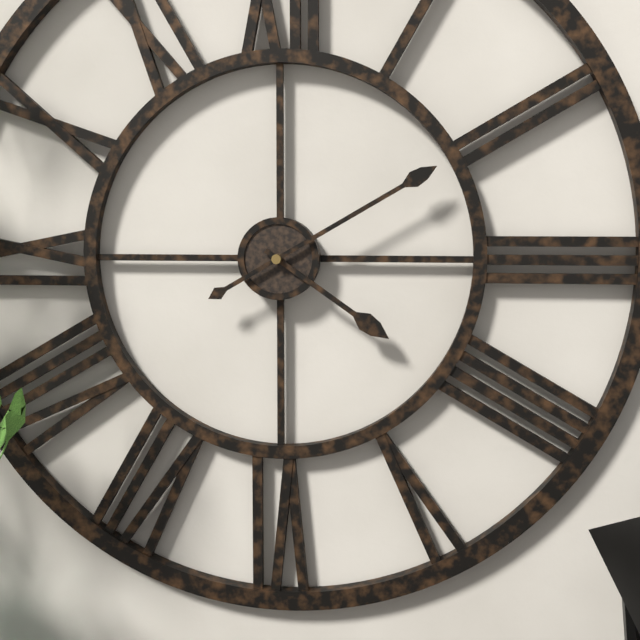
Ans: 4:10
